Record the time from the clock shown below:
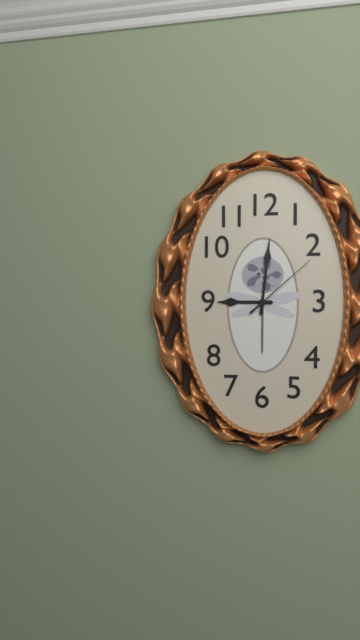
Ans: 9:01:08
